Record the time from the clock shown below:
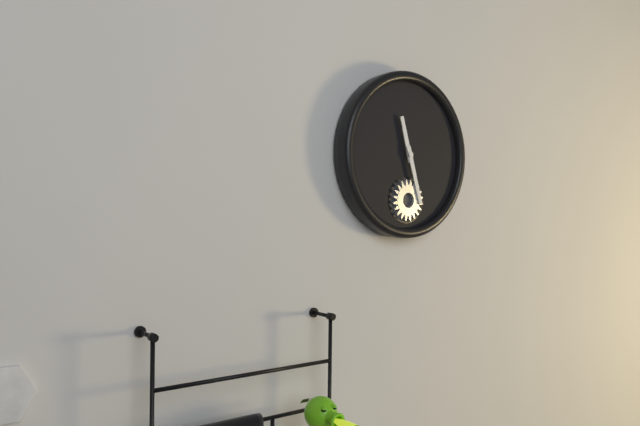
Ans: 11:27
